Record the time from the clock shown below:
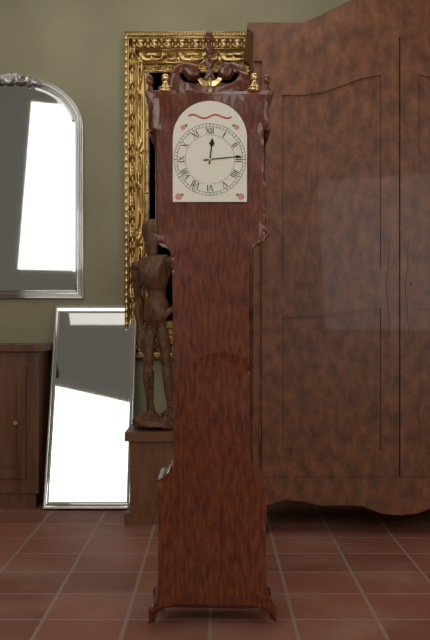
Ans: 12:14
